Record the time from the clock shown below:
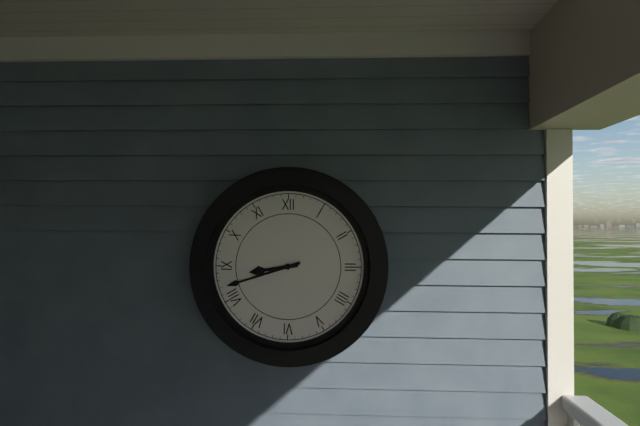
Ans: 8:42
